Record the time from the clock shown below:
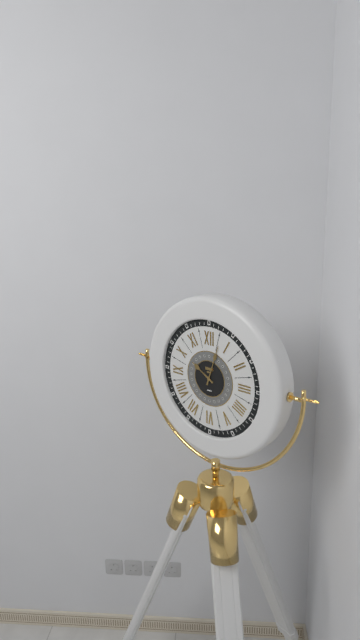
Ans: 10:03
